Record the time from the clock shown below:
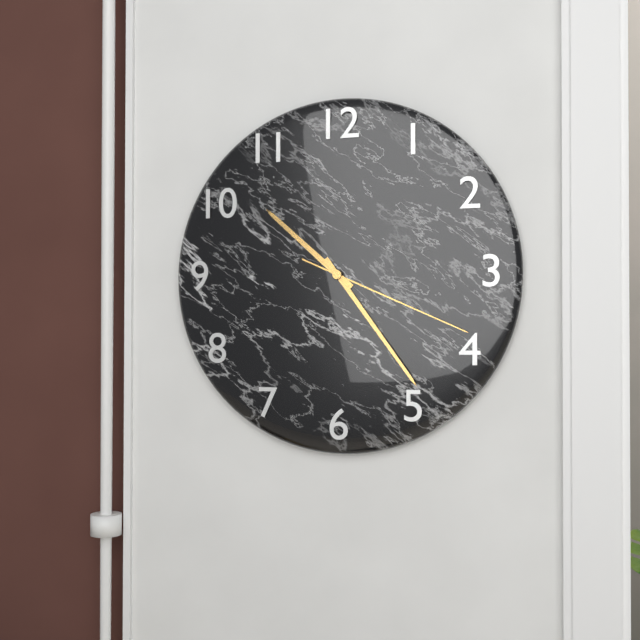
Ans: 10:24:19
